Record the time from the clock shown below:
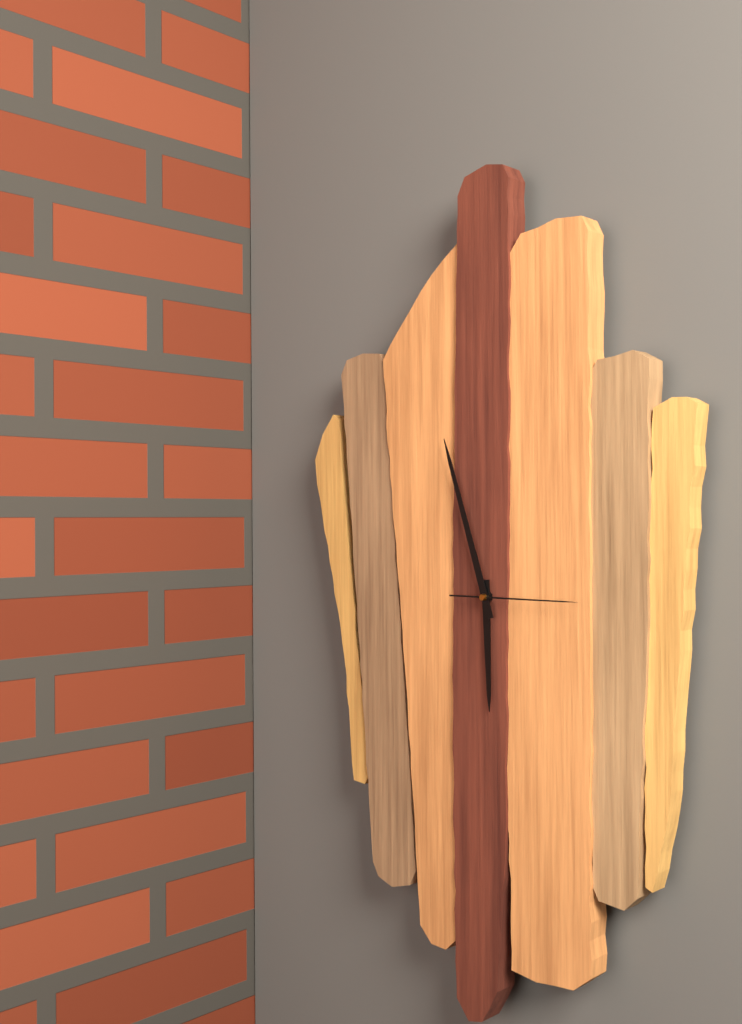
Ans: 5:57:15
